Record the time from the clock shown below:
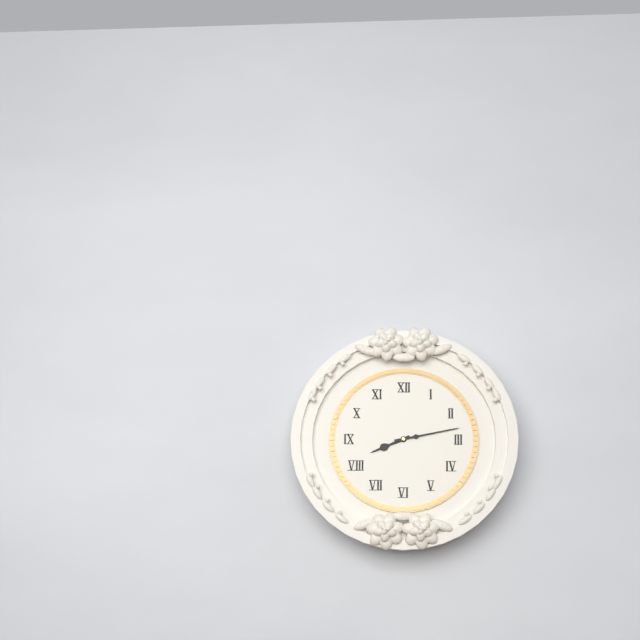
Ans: 8:13
